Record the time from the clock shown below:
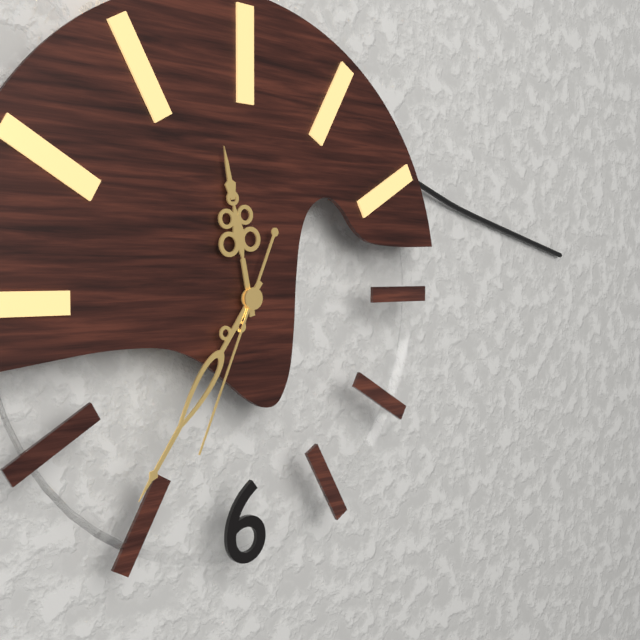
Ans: 11:36:34
